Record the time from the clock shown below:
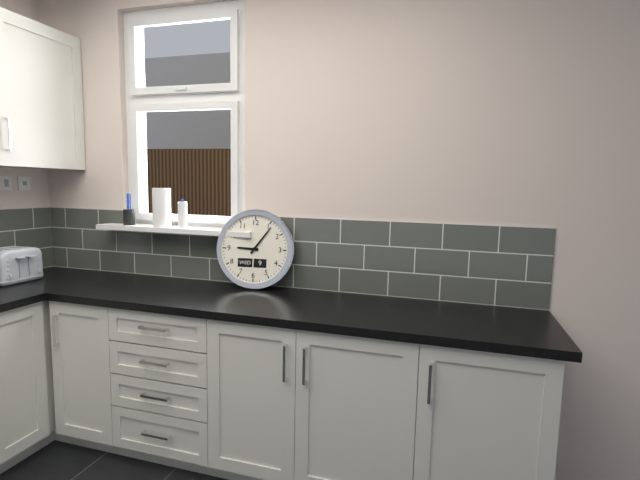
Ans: 9:06
